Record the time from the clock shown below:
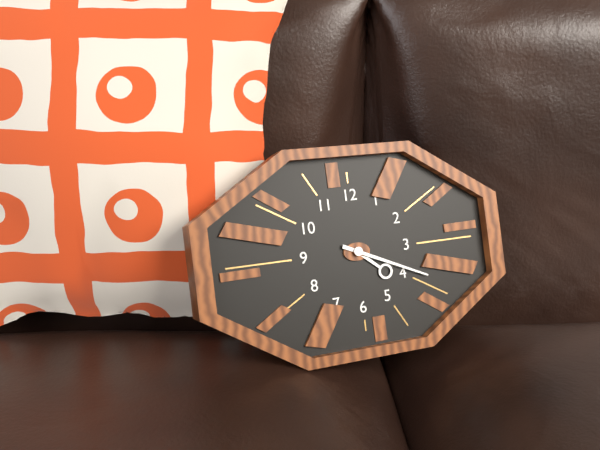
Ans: 4:19
